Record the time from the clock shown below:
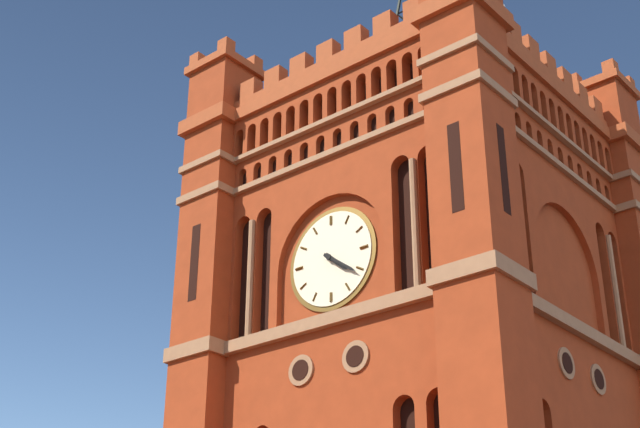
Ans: 4:21
